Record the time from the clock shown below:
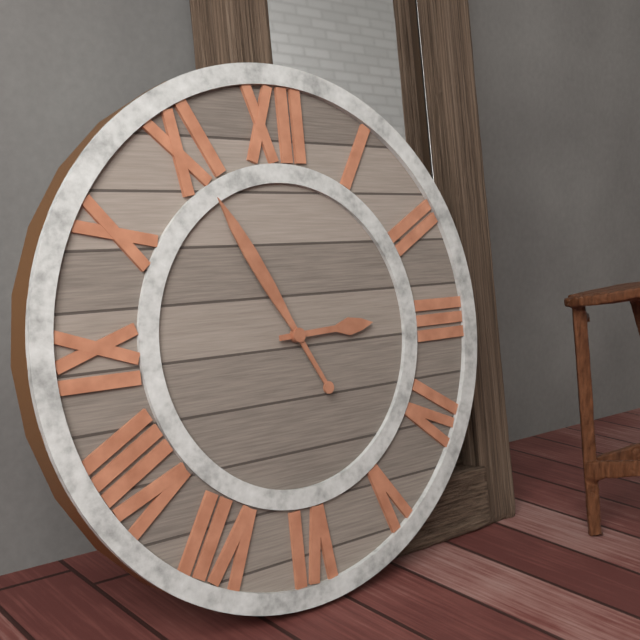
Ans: 2:55
